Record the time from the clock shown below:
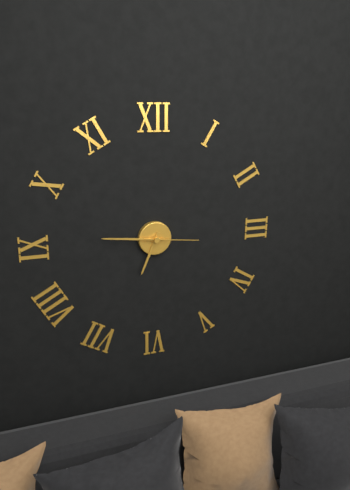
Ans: 6:46:16
